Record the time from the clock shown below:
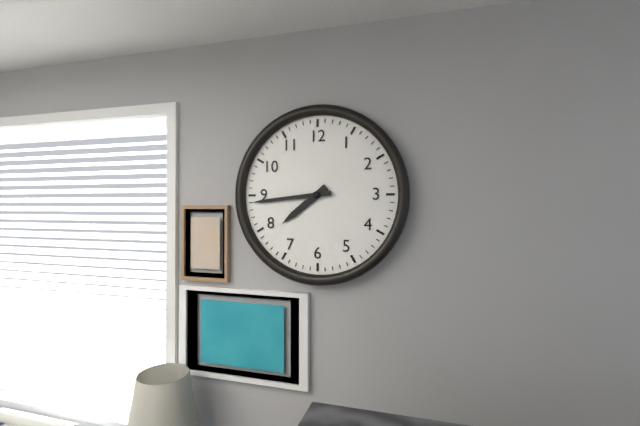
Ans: 7:44
